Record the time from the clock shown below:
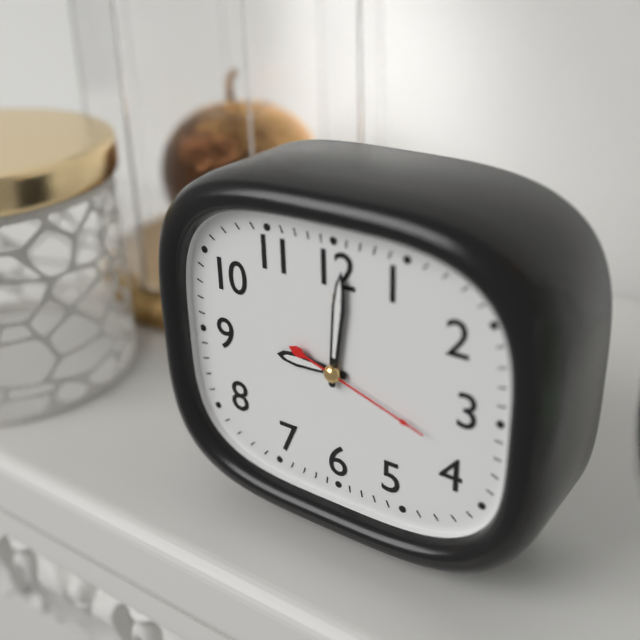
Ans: 9:01:18
